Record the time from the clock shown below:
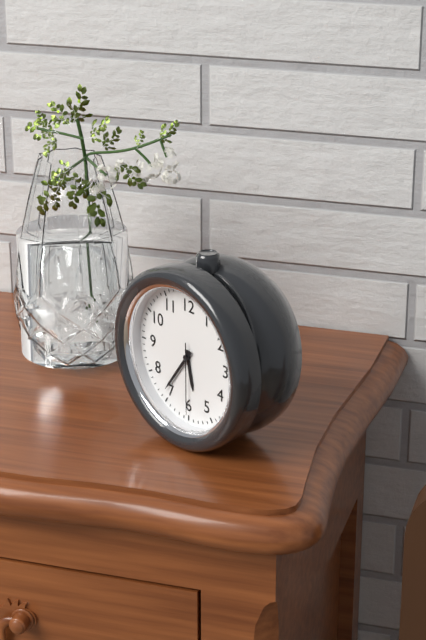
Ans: 5:36:30
